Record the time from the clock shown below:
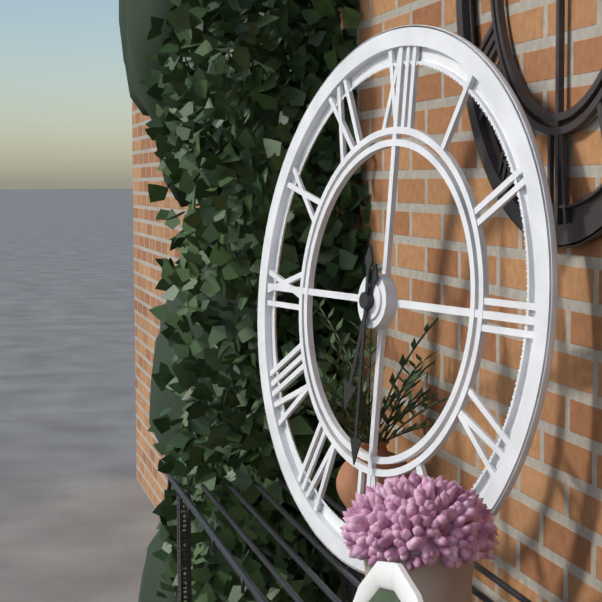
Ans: 6:30
